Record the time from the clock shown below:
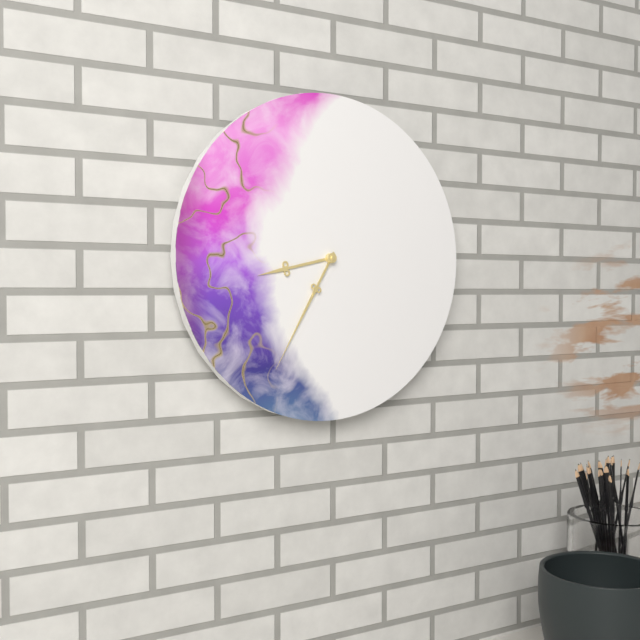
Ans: 8:35
